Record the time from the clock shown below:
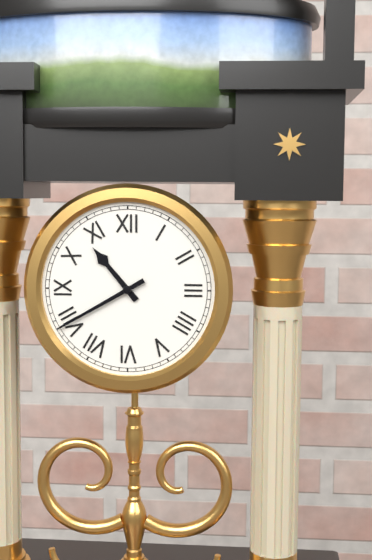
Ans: 10:40
